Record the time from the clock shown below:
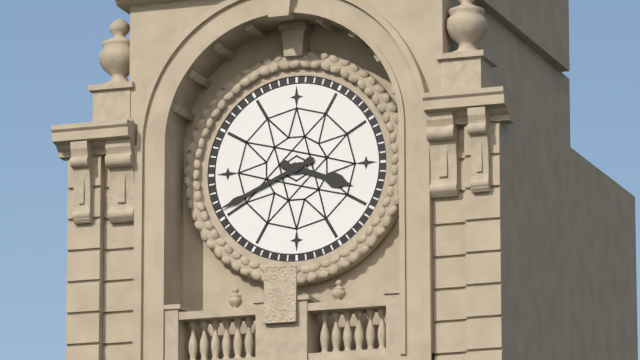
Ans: 3:41
